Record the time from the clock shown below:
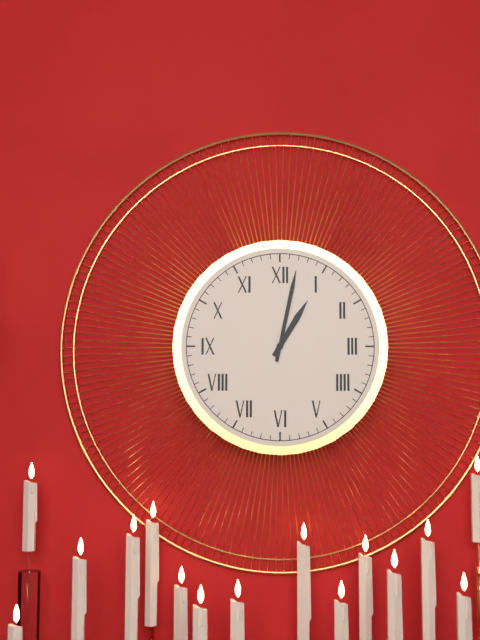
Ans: 1:02
